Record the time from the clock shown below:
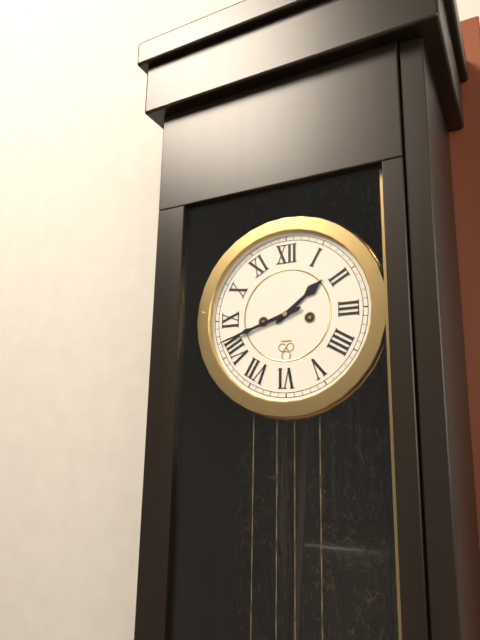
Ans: 1:42
